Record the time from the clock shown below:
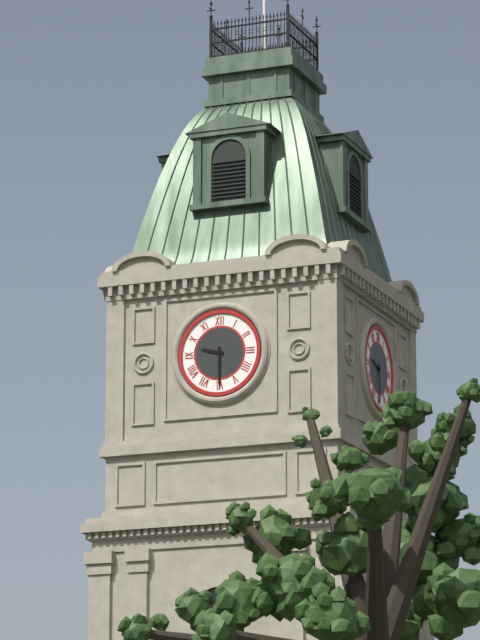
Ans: 9:30
